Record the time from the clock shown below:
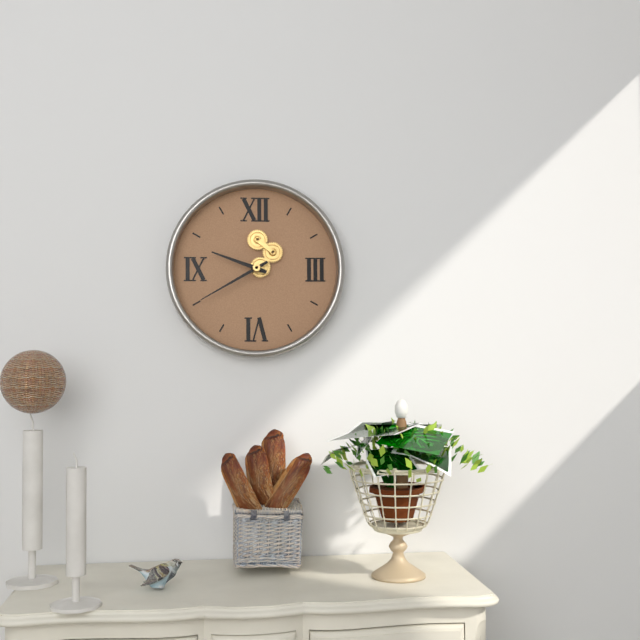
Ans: 9:40
